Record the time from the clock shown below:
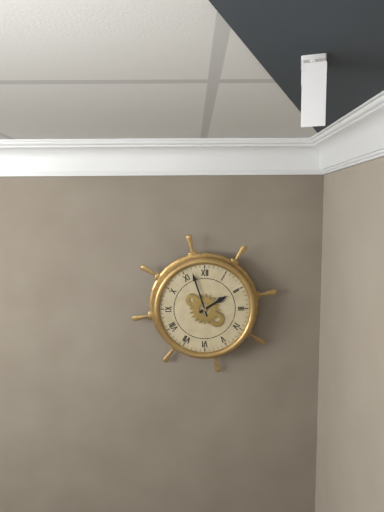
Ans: 1:57
